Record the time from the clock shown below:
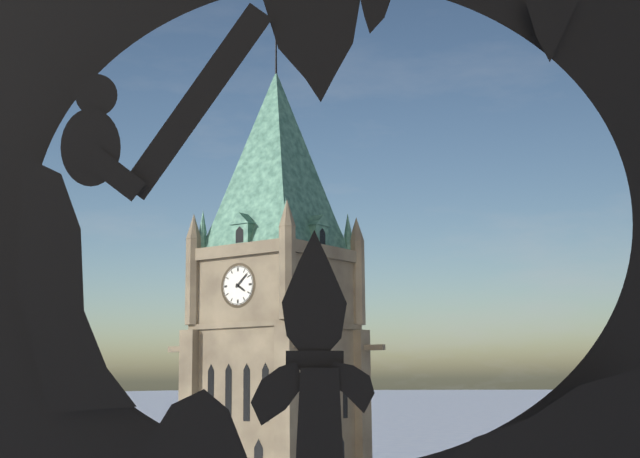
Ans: 4:08
